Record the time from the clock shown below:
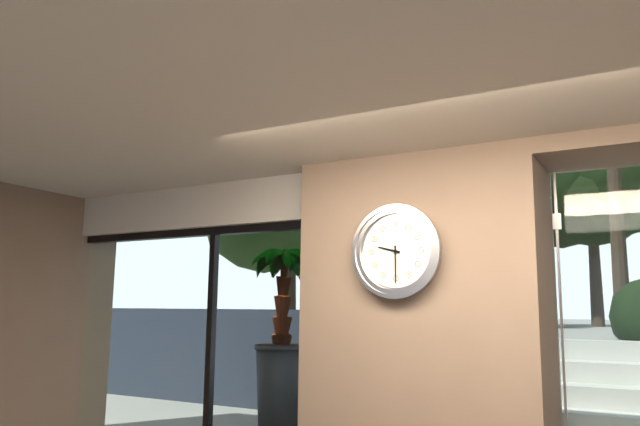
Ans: 9:30
